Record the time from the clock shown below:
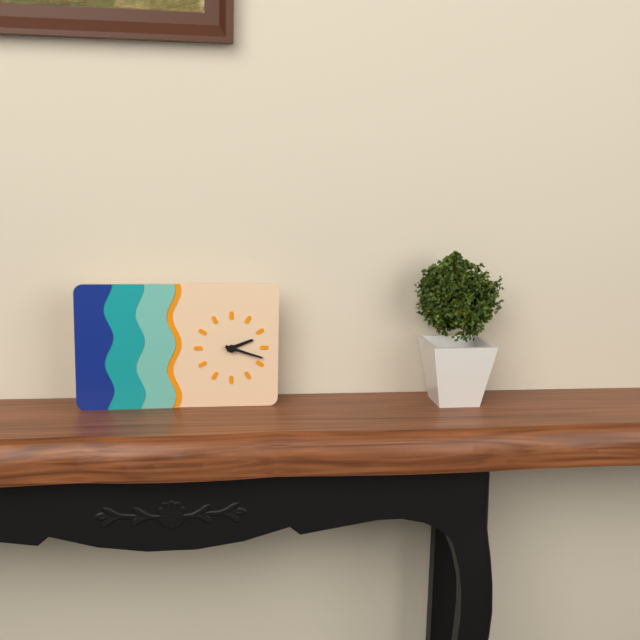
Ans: 2:18
